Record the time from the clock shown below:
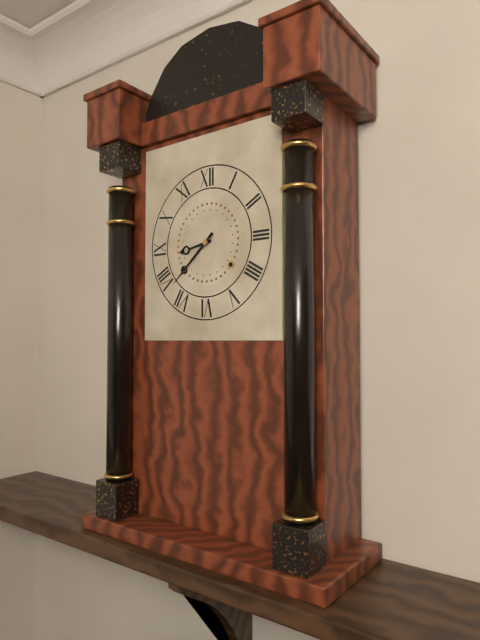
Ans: 8:38
